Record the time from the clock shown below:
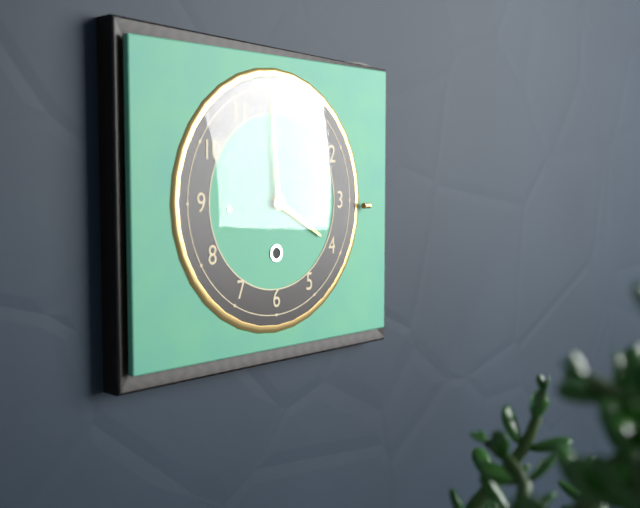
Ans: 3:59
